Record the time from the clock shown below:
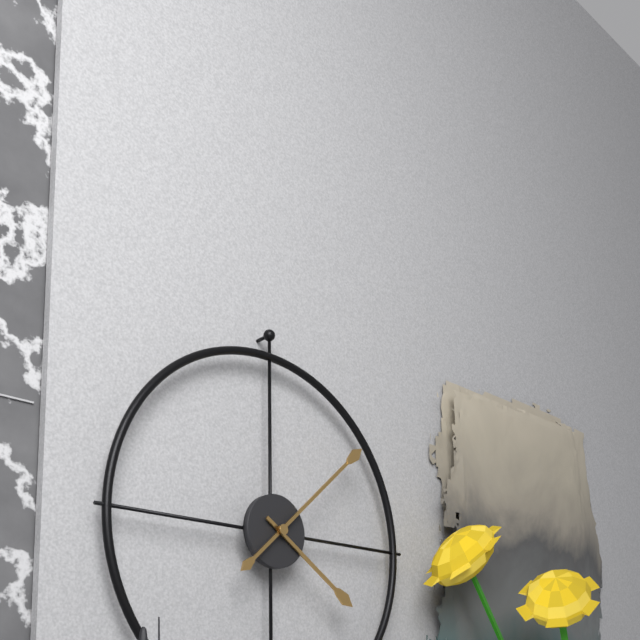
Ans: 4:08
